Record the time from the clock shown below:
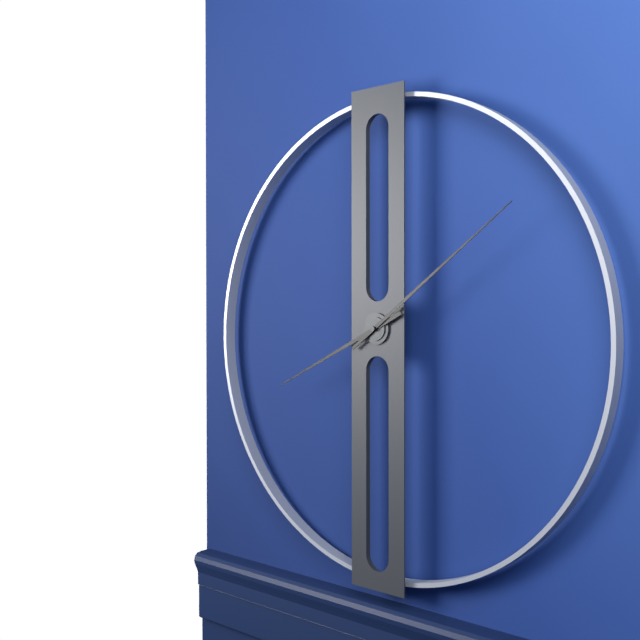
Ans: 8:09
